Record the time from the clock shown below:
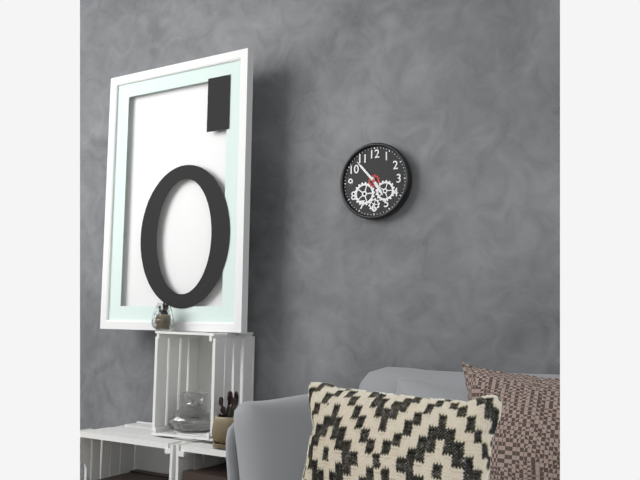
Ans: 4:53
